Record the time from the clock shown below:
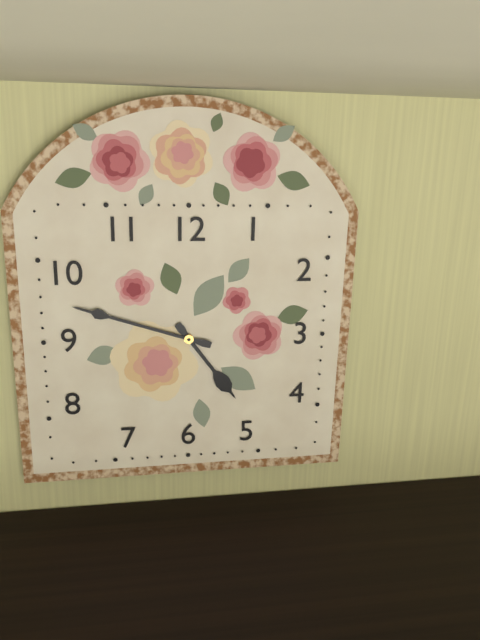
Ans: 4:48
